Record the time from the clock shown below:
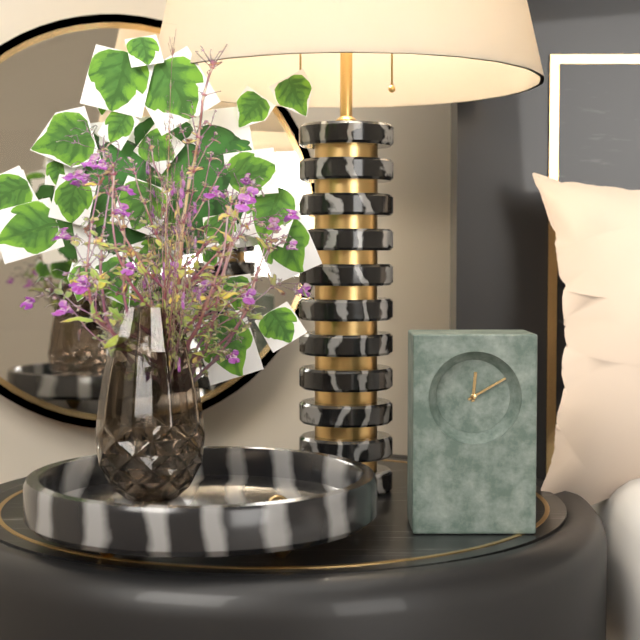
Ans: 12:10
